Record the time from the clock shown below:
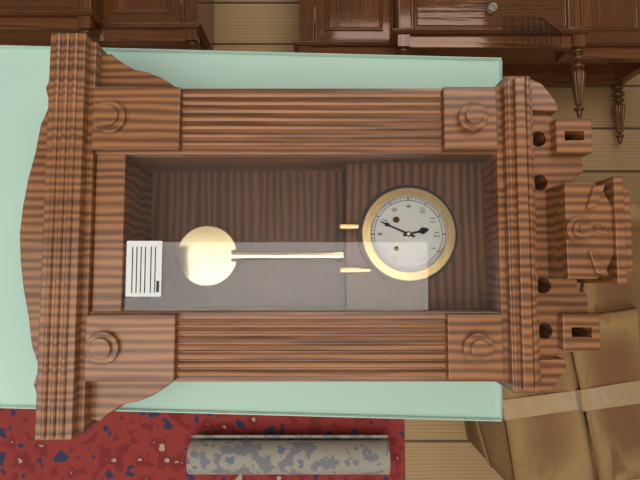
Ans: 11:34
